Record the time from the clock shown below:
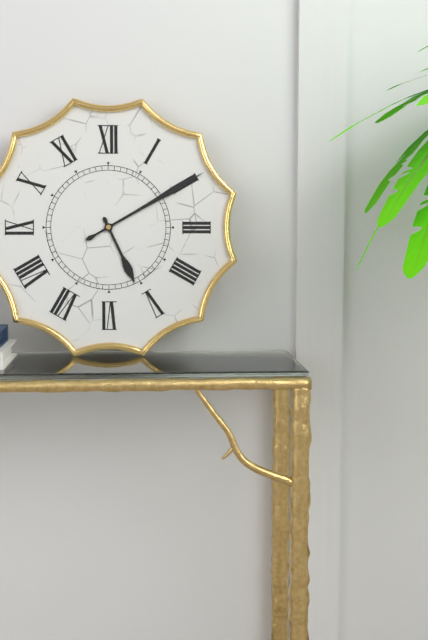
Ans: 5:10
